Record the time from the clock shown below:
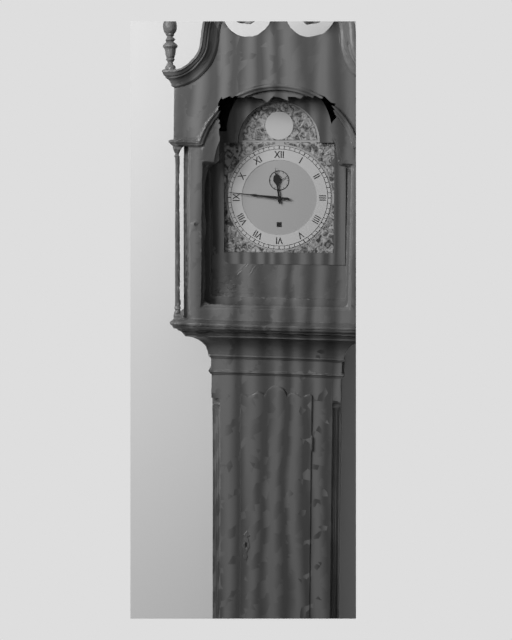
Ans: 11:46
